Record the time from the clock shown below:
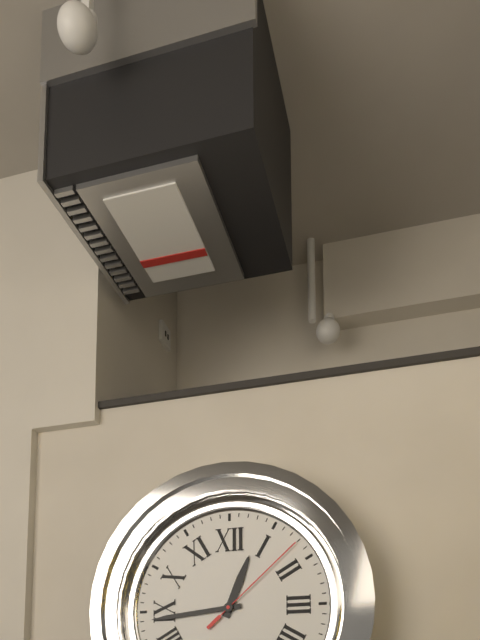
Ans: 12:44:08
